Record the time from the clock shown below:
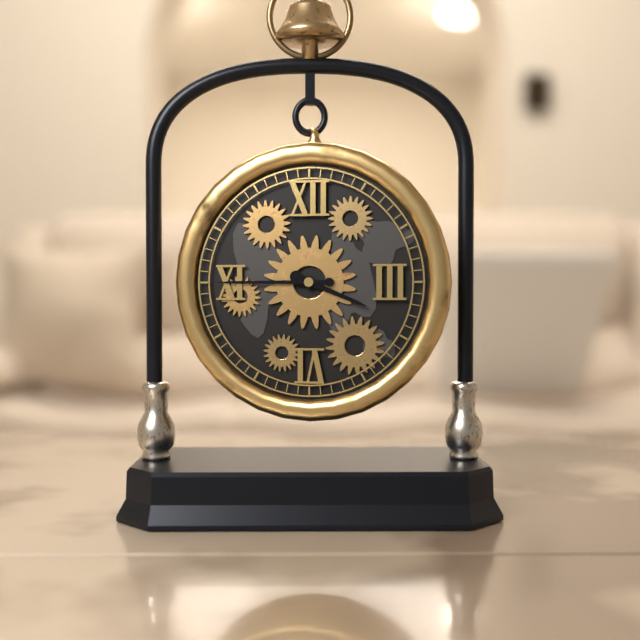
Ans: 3:45
